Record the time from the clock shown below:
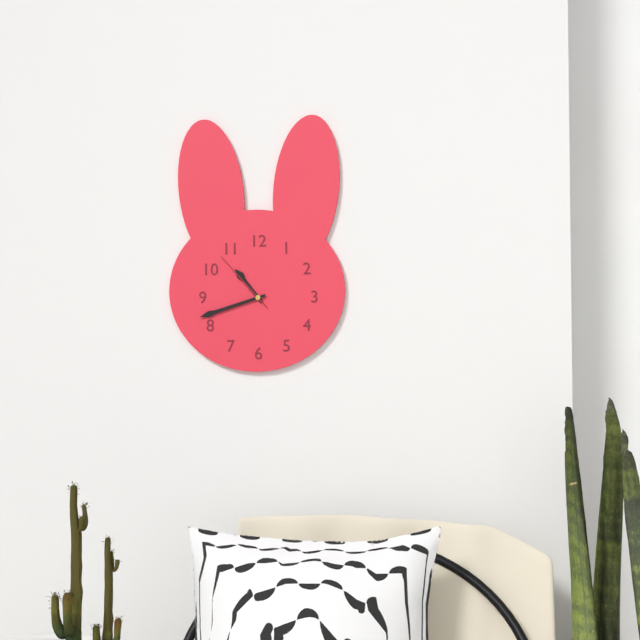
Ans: 10:42:53
